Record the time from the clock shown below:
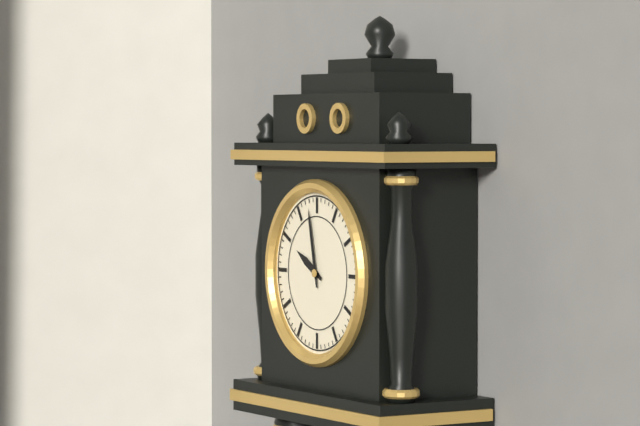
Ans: 9:58
